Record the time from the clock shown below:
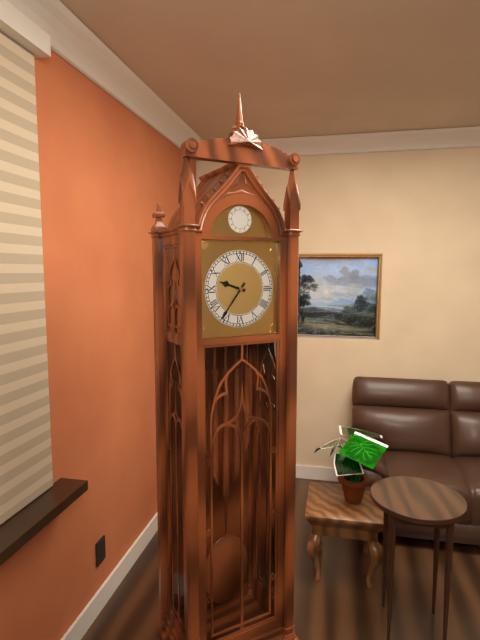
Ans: 9:36
